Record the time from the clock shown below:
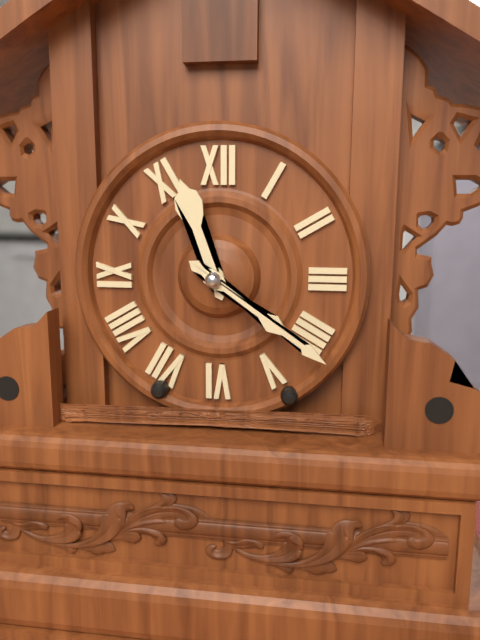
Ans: 11:21
